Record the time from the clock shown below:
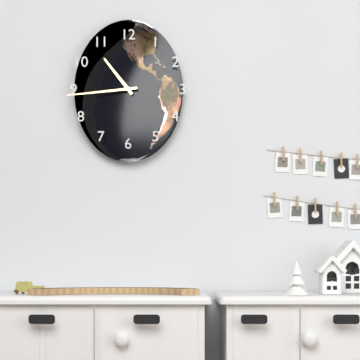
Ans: 10:44
